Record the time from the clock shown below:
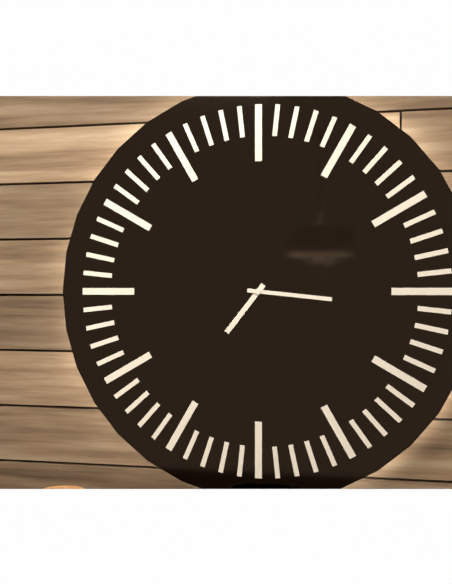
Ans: 7:16
